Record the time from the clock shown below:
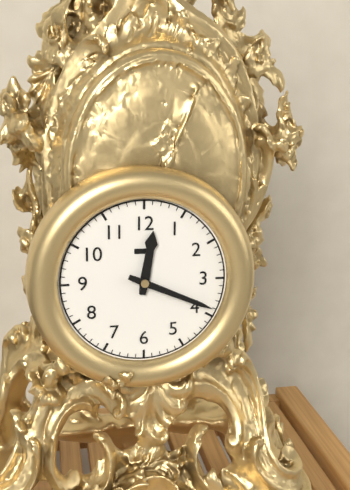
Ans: 12:19
